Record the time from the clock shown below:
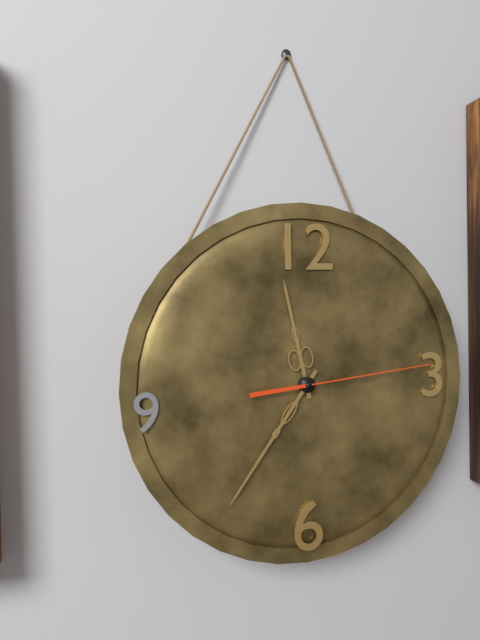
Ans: 11:36:14
